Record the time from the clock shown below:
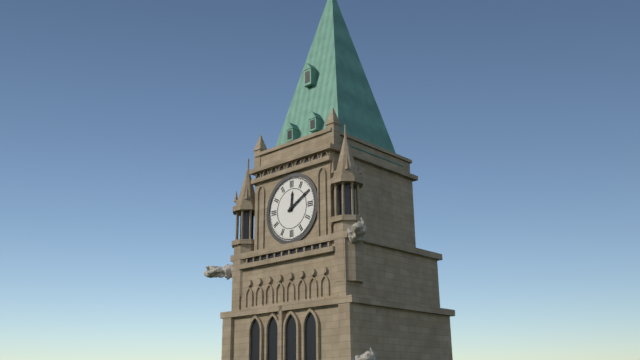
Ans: 12:10
